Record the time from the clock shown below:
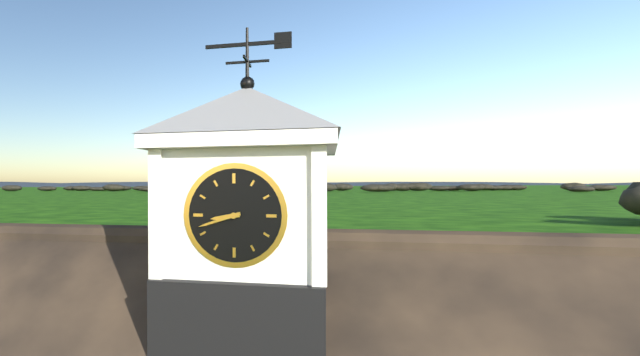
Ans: 8:42
